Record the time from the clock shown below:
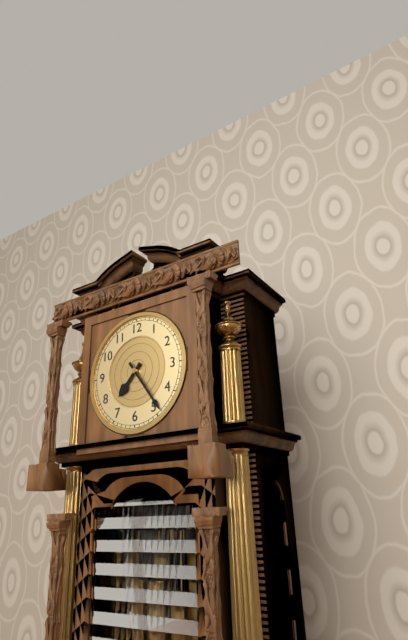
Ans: 7:24
